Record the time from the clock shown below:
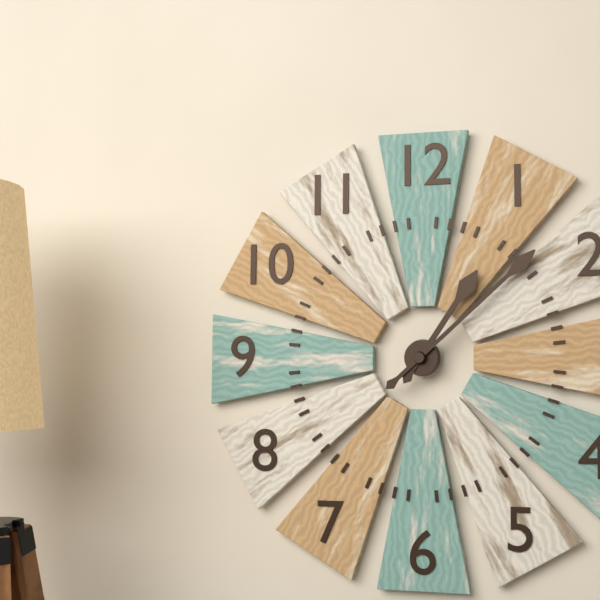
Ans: 1:08
